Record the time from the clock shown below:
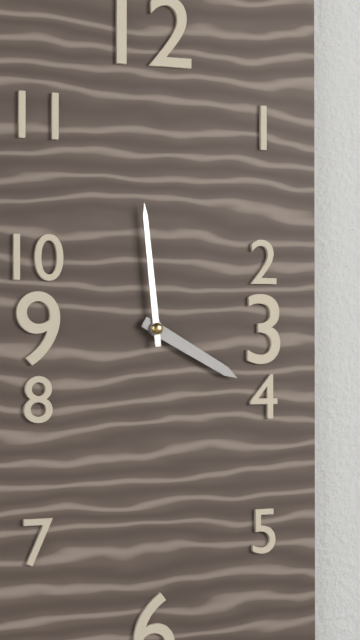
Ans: 3:59
